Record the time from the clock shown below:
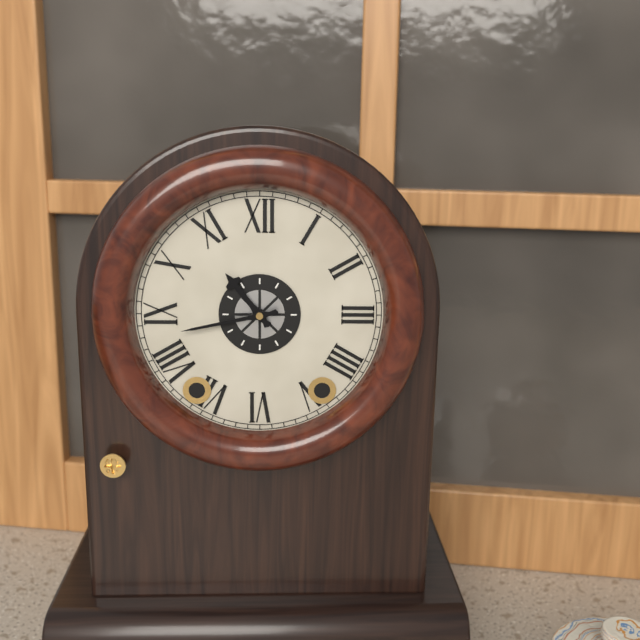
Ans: 10:43
